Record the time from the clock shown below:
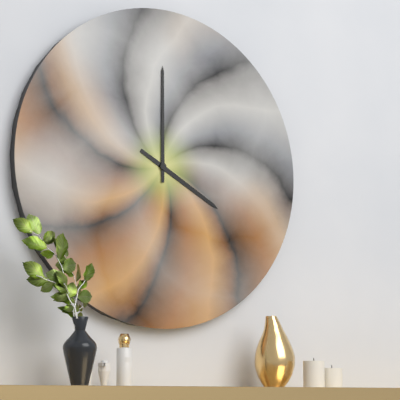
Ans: 4:00
